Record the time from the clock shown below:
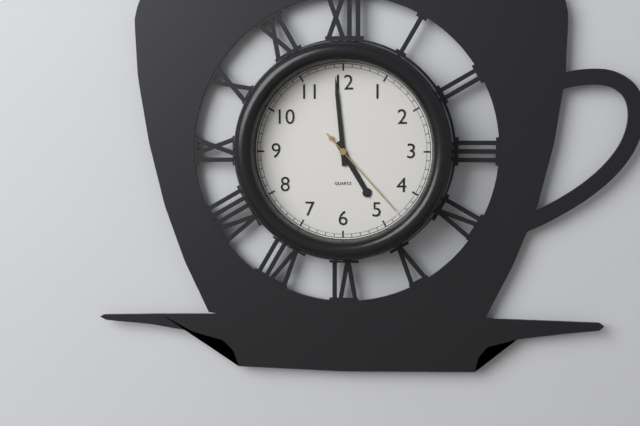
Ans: 4:59:23
